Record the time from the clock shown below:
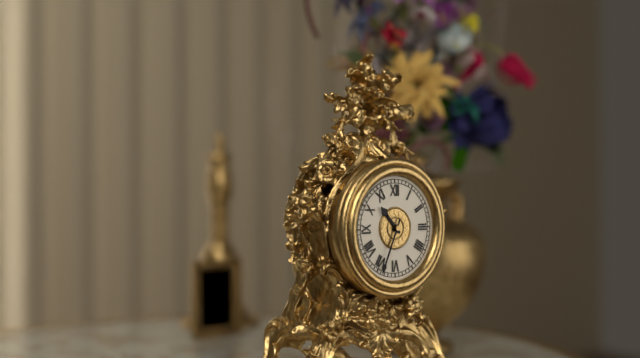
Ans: 10:34
